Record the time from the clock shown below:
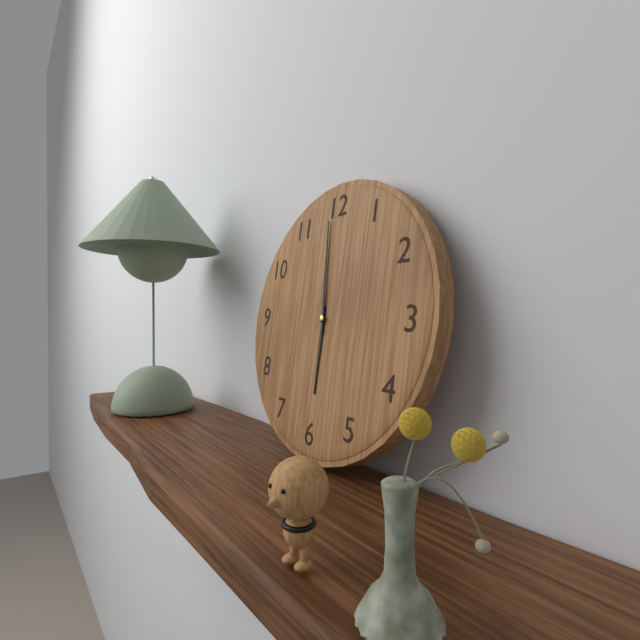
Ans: 5:59
